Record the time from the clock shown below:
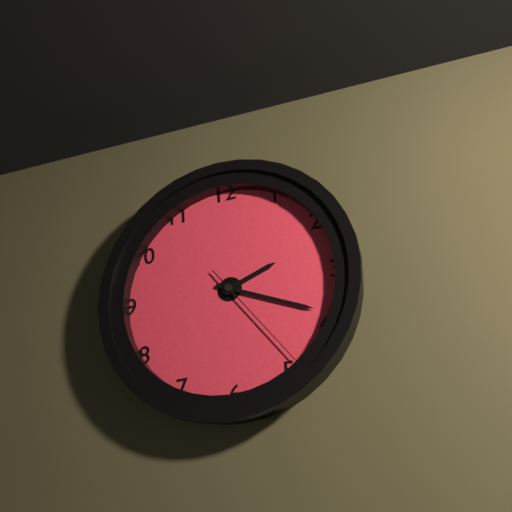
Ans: 2:19:24
